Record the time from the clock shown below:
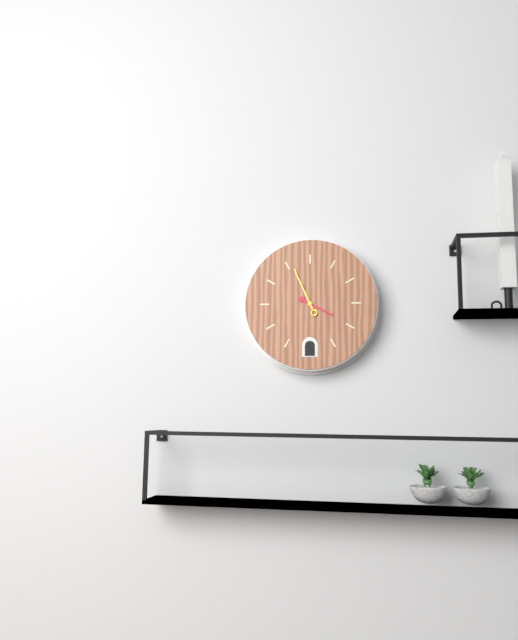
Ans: 3:56
